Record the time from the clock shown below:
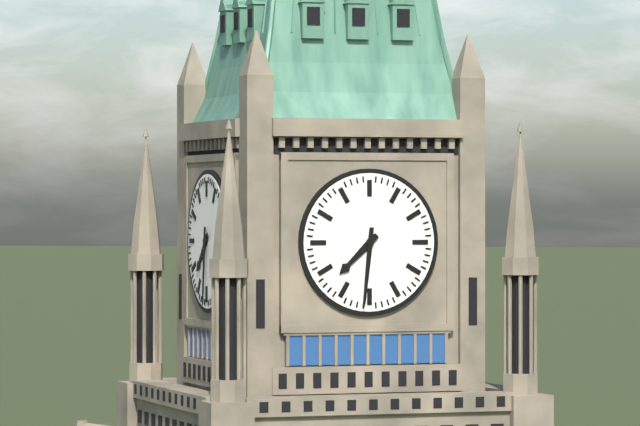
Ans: 7:31
